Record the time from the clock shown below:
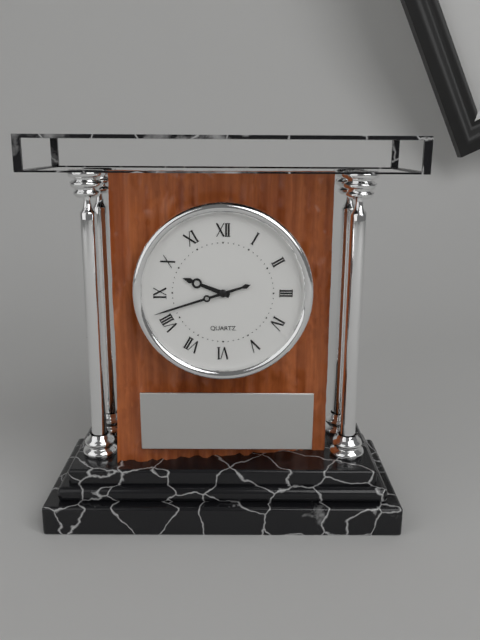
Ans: 9:42
